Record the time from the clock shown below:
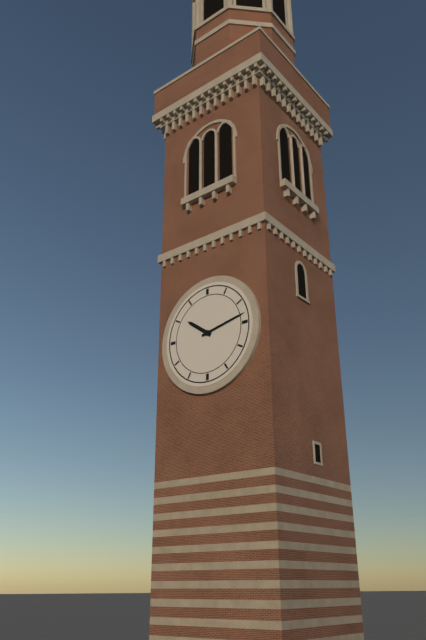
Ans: 10:13
